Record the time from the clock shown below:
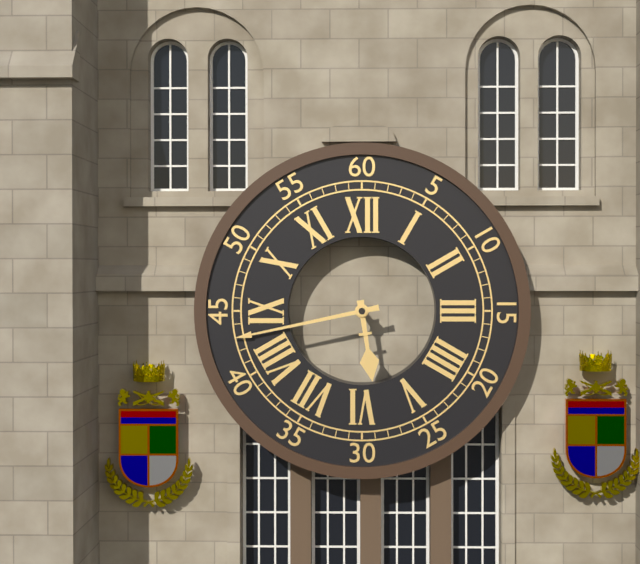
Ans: 5:43
